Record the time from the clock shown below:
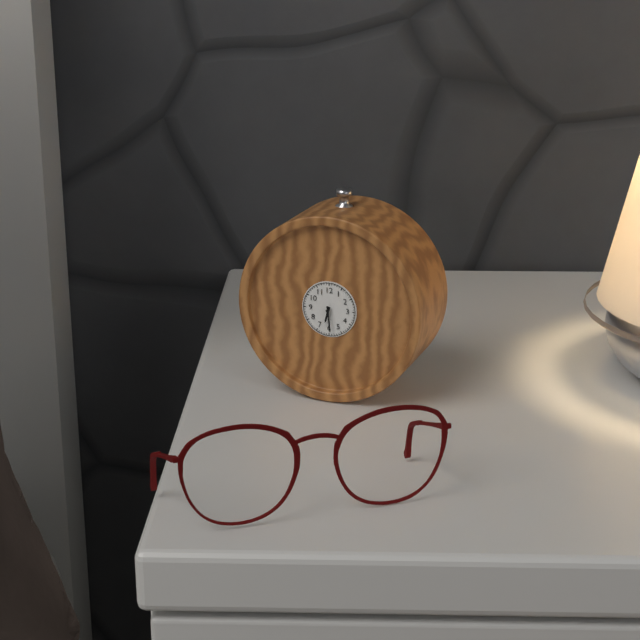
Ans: 6:29
